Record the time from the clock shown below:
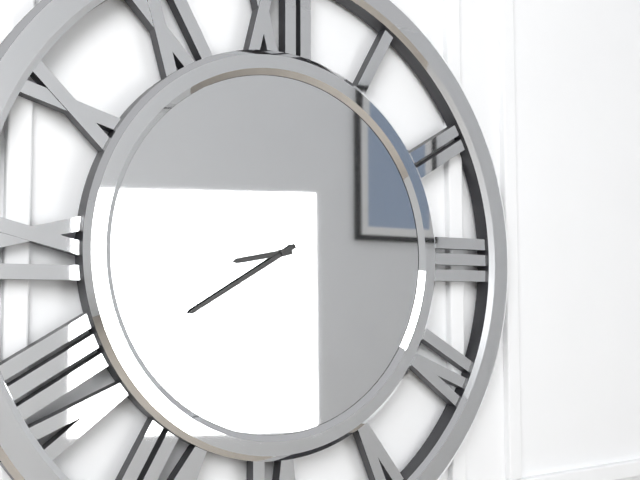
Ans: 8:40
